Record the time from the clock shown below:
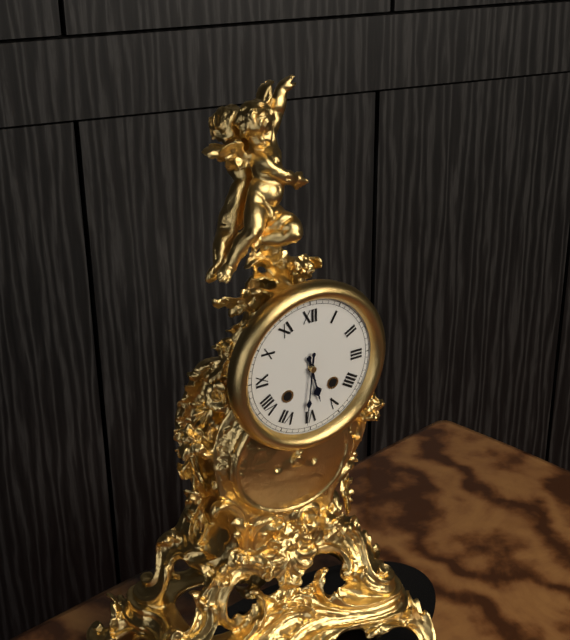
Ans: 5:31
